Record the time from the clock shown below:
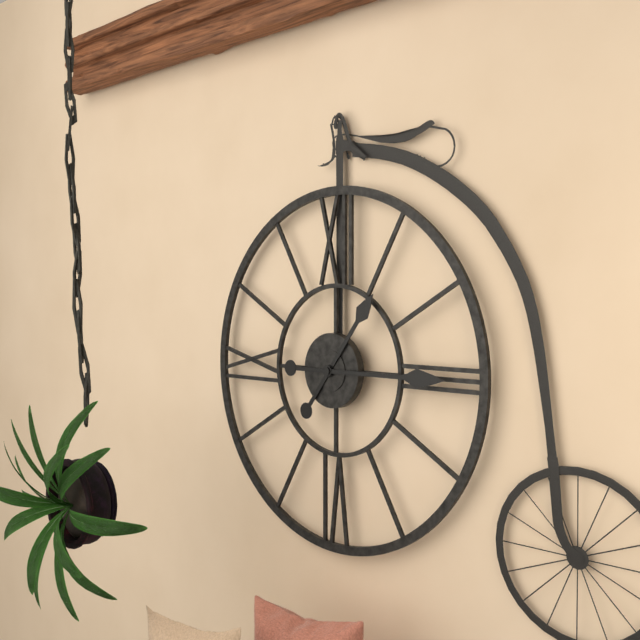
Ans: 1:15
